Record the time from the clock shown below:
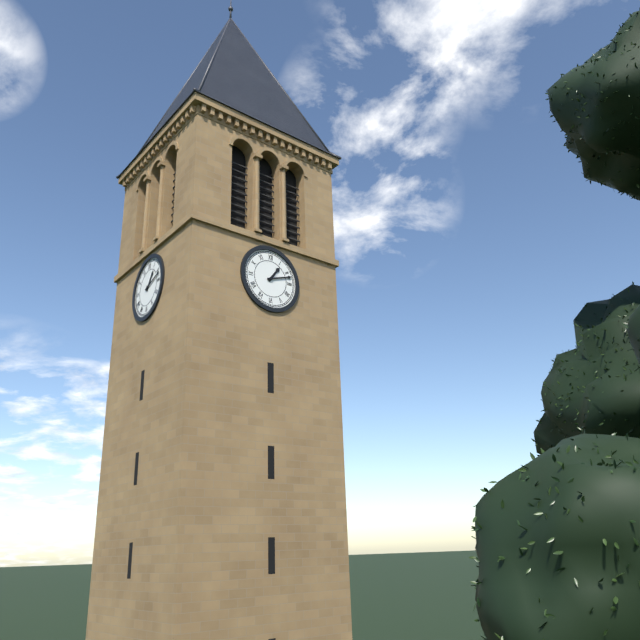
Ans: 1:12
